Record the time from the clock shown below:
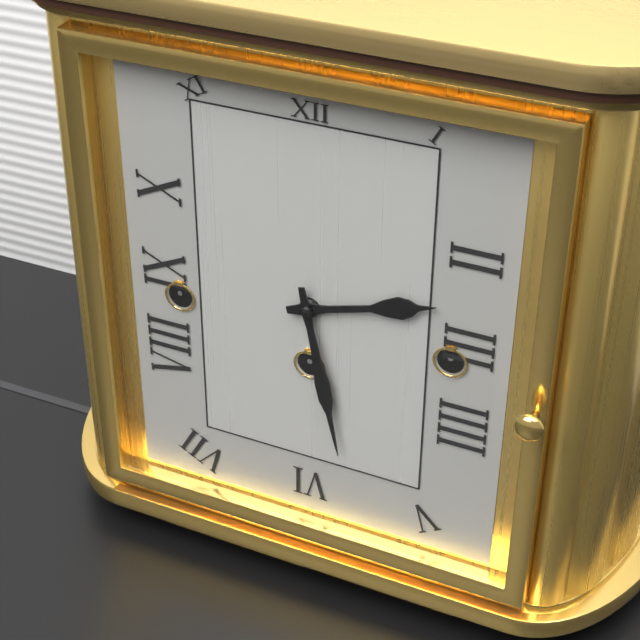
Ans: 2:28
